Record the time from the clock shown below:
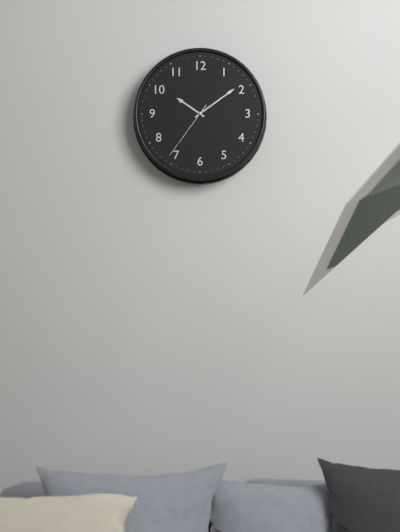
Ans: 10:09:36
